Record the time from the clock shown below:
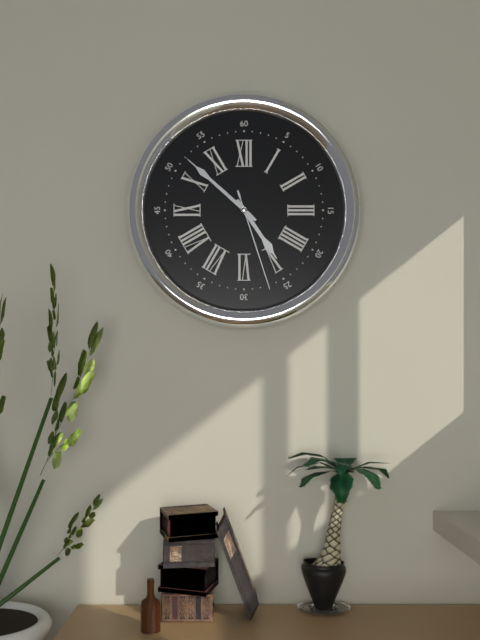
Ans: 4:52:27
